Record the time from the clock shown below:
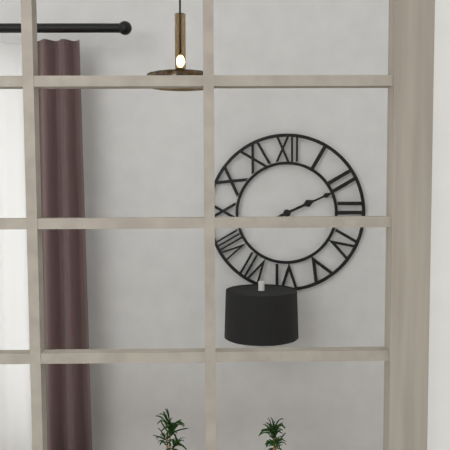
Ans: 2:11
